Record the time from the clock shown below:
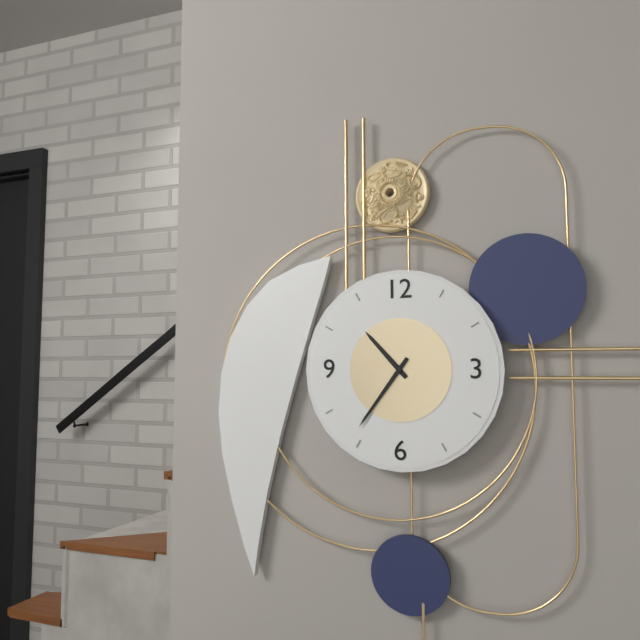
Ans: 10:36
